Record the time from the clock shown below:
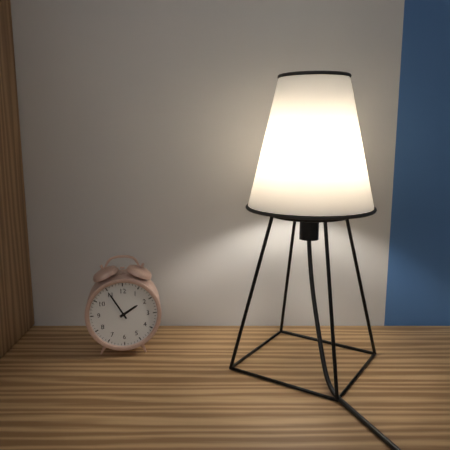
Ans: 1:55
